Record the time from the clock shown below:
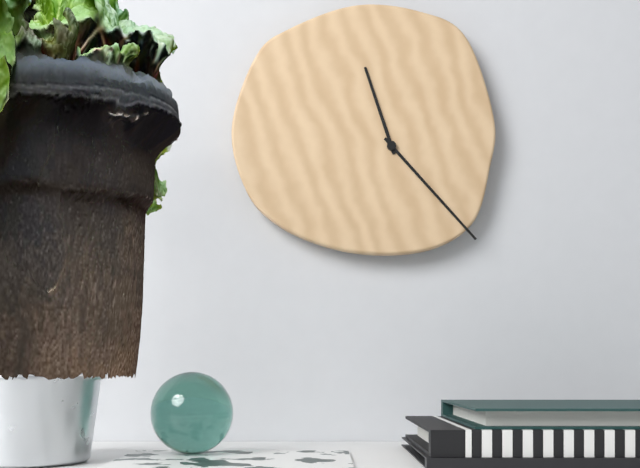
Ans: 11:23
